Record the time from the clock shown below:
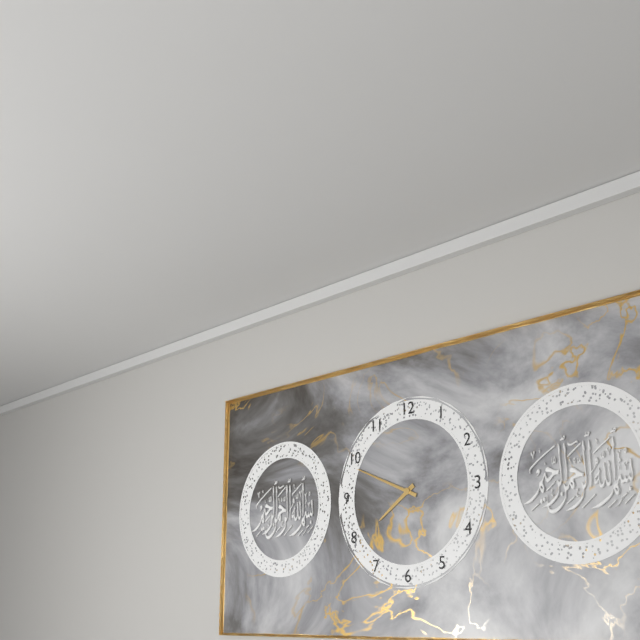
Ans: 7:49
